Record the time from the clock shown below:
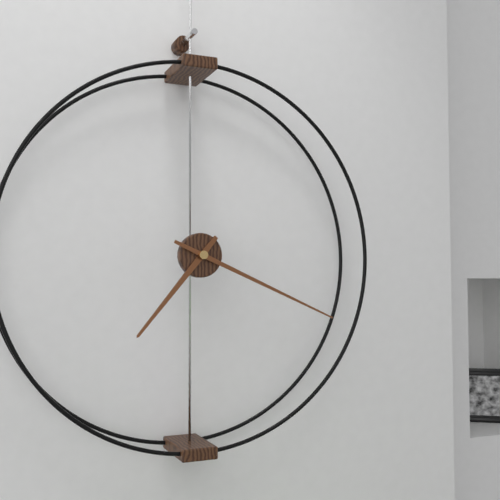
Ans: 7:19
